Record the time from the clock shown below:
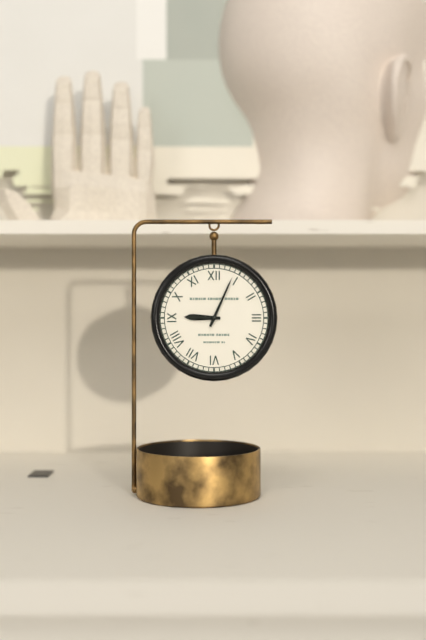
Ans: 9:04
